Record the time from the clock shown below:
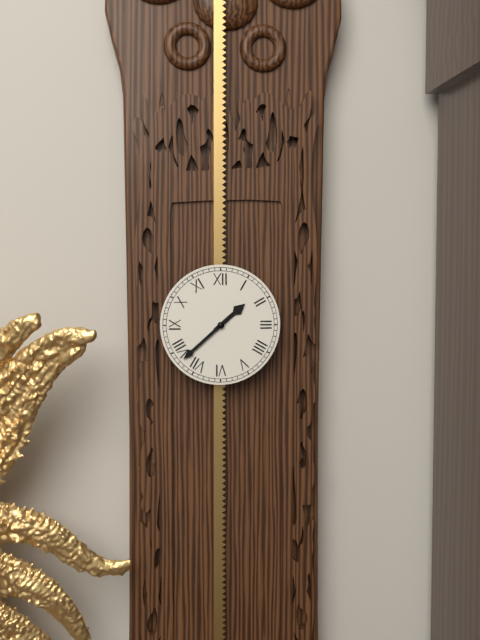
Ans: 1:38
